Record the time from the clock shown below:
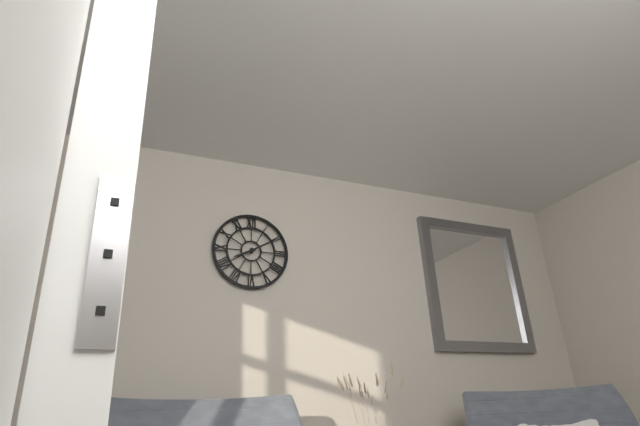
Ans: 8:10
